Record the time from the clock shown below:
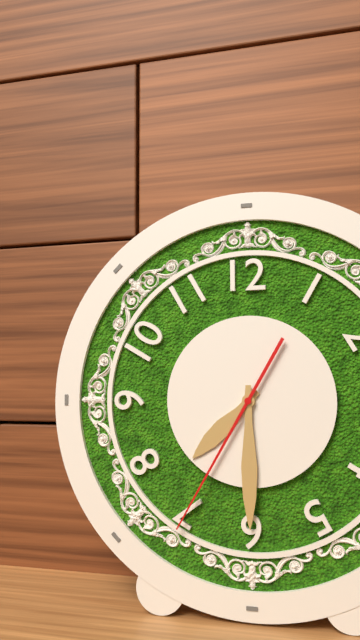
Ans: 7:30:35
